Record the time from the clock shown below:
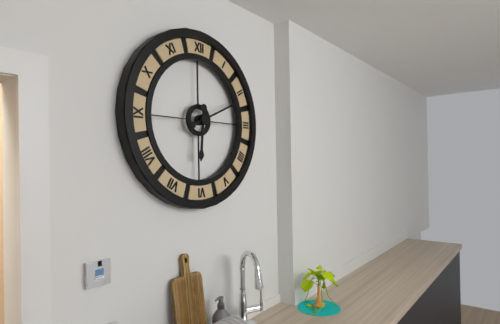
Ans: 6:11
